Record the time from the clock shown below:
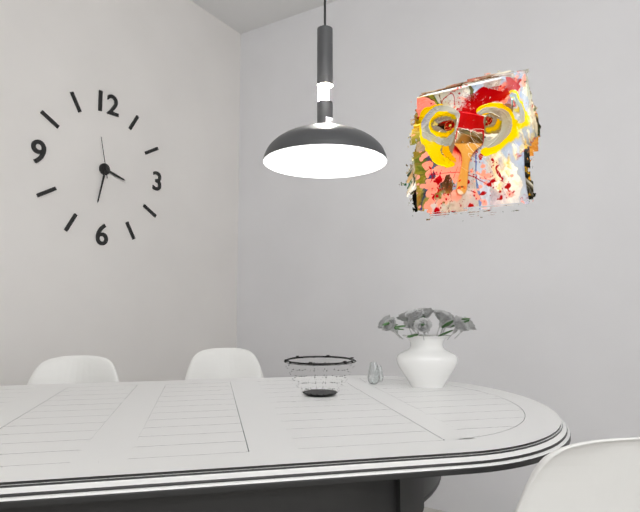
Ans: 3:32
